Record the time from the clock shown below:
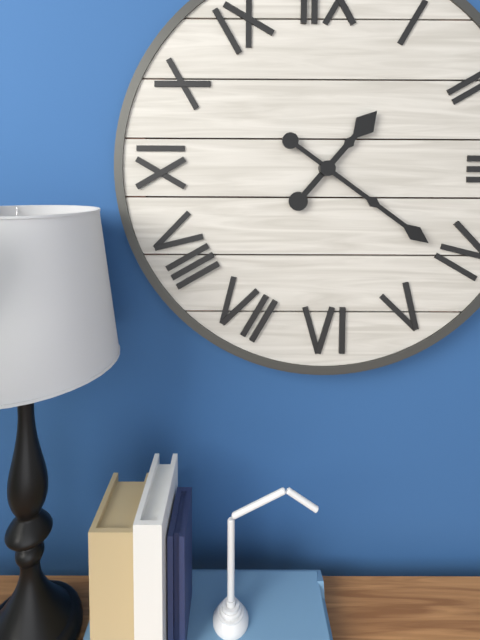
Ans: 1:21
